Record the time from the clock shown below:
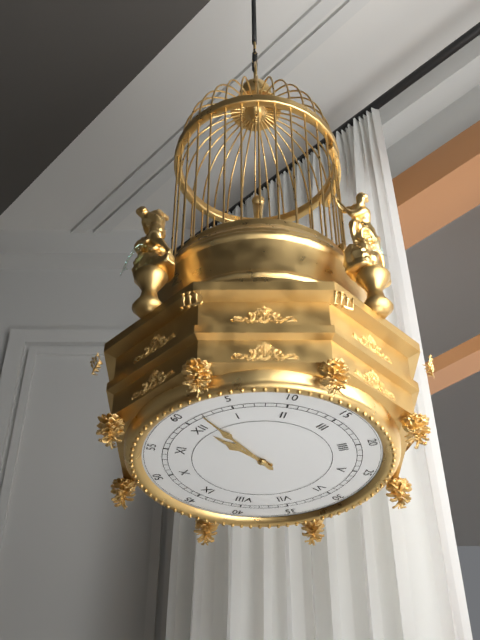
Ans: 12:02
